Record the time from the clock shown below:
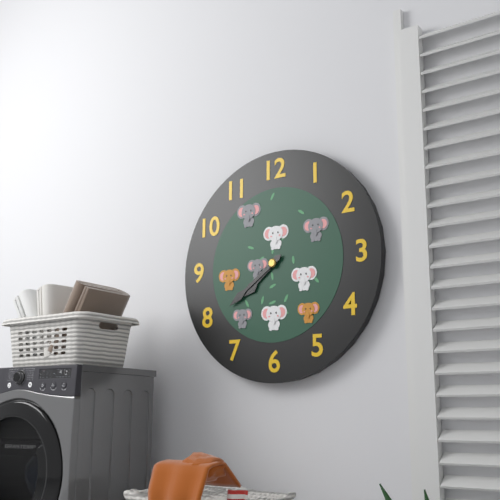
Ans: 7:39
